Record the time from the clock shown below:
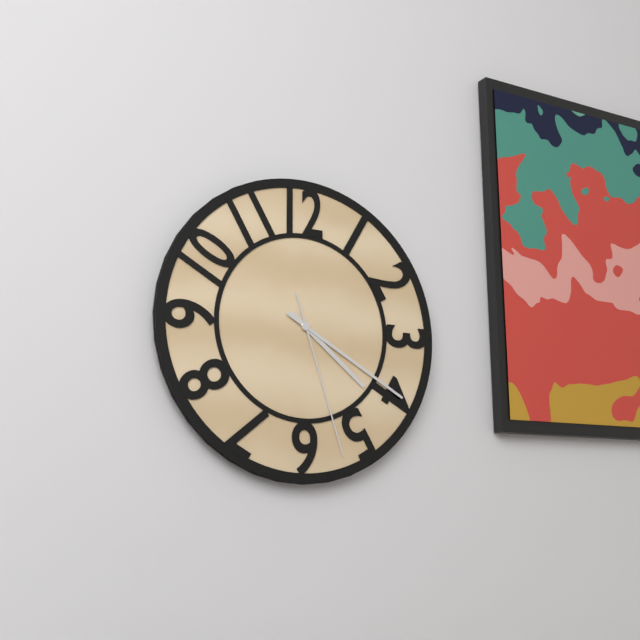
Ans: 4:20:27
